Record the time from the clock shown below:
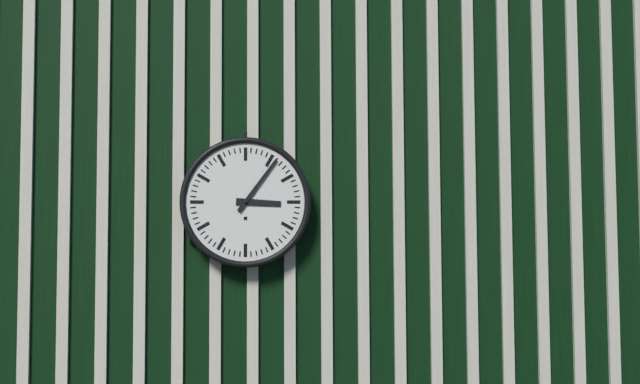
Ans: 3:06
